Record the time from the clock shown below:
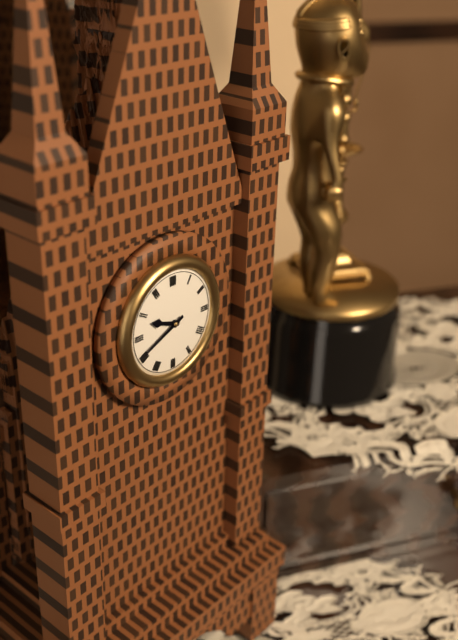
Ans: 9:41
